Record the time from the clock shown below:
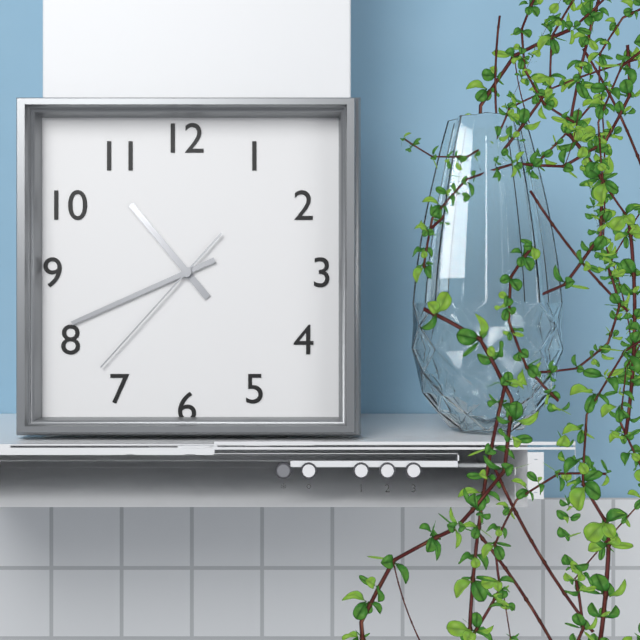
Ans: 10:41:37
